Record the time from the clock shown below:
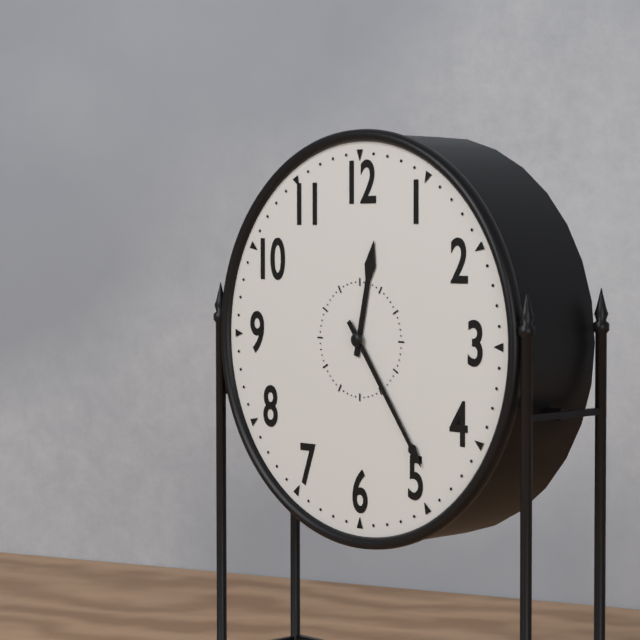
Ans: 12:24
